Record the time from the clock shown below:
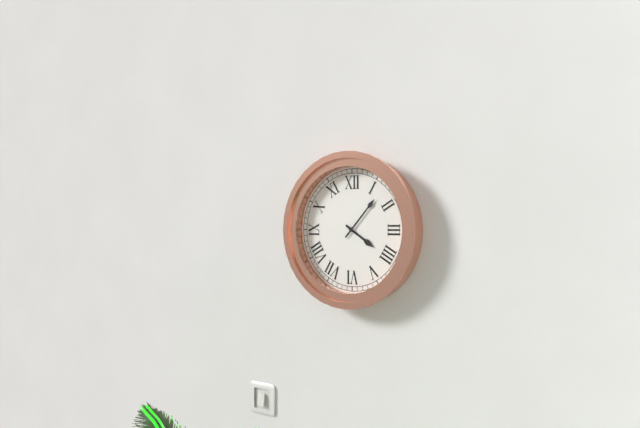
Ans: 4:07
